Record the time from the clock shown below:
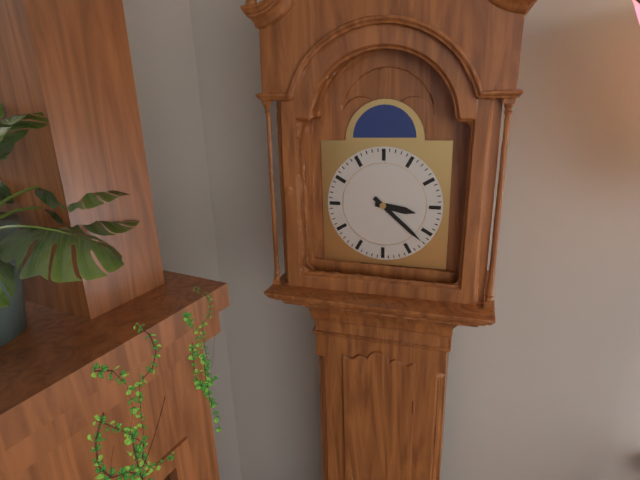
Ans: 3:22
